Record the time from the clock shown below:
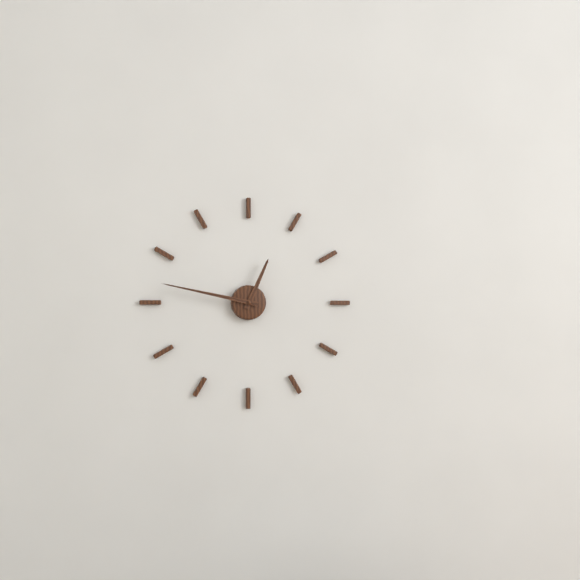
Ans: 12:47
